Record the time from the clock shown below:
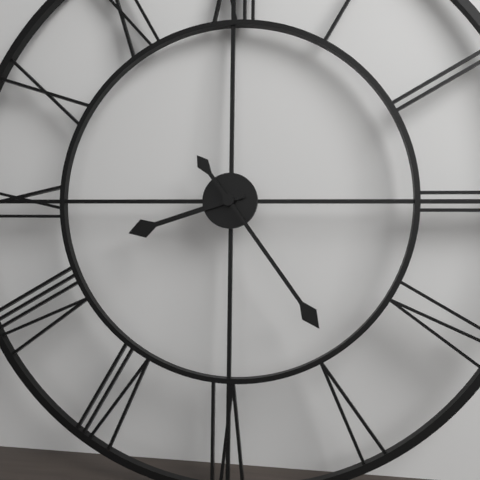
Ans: 8:24
